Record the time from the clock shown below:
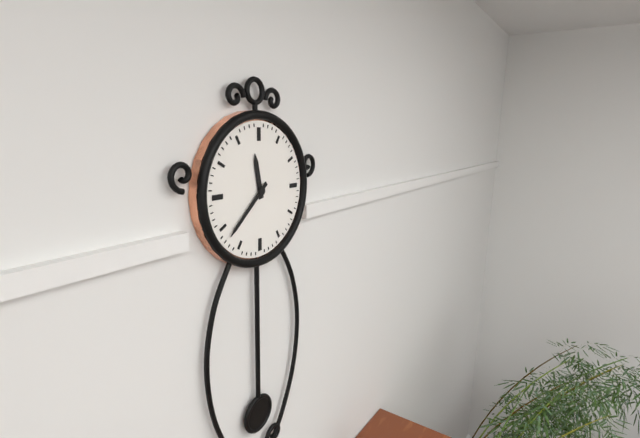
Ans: 11:38
